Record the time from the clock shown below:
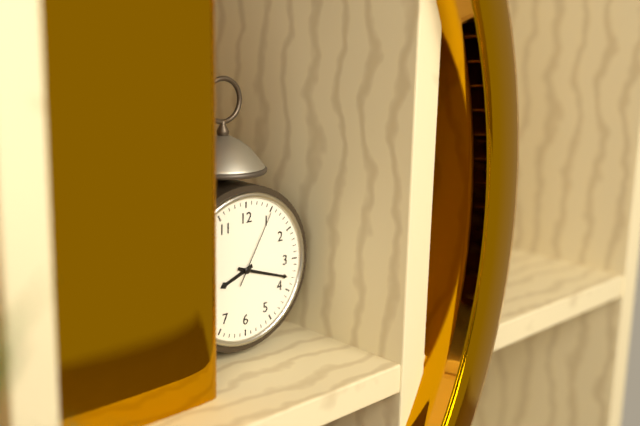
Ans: 8:18:05
